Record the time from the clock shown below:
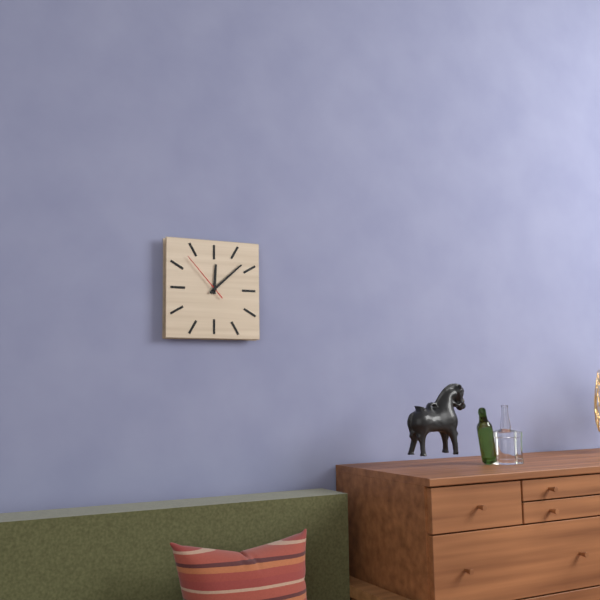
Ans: 12:08:53
